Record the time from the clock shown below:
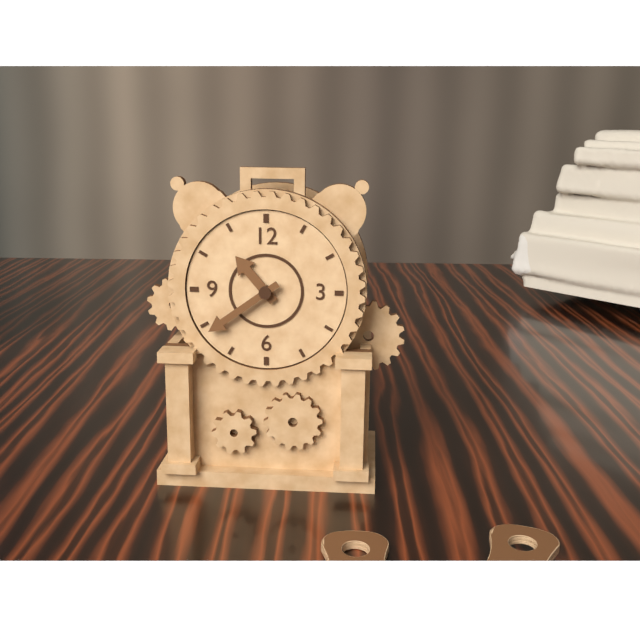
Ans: 10:39
